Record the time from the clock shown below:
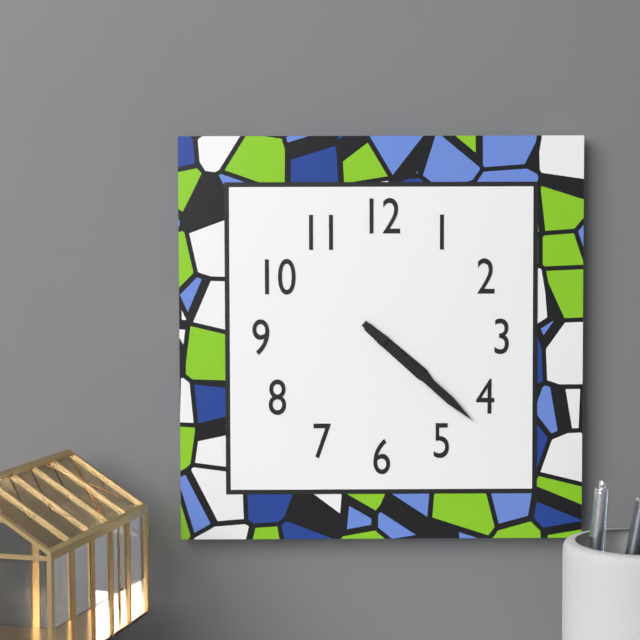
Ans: 4:22
